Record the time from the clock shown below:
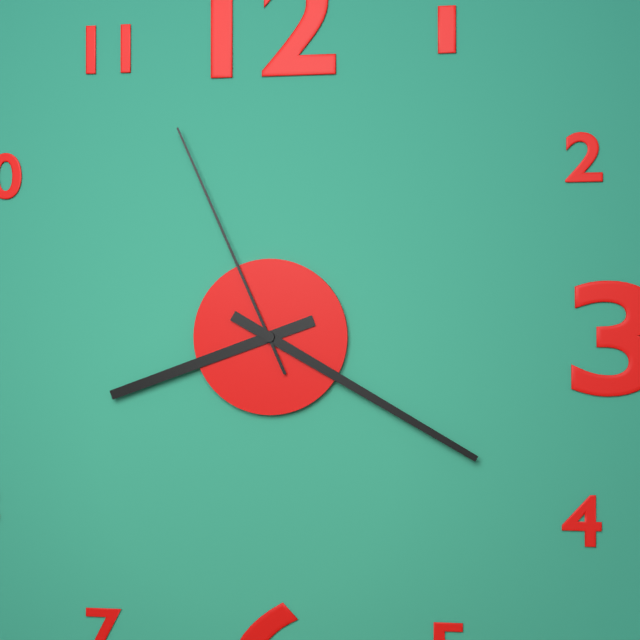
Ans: 8:20:56
